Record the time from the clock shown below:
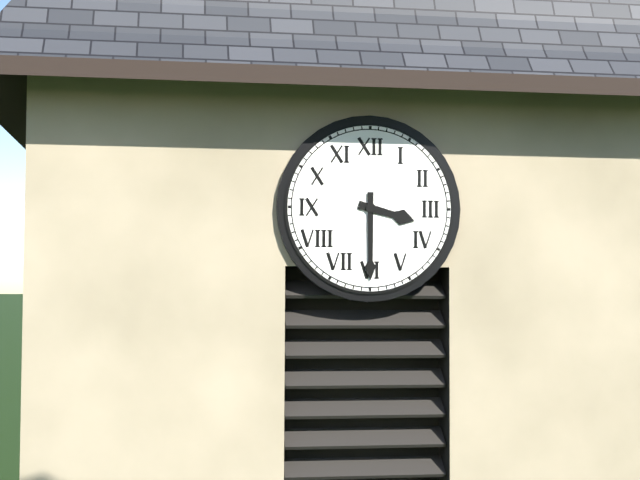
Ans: 3:30
